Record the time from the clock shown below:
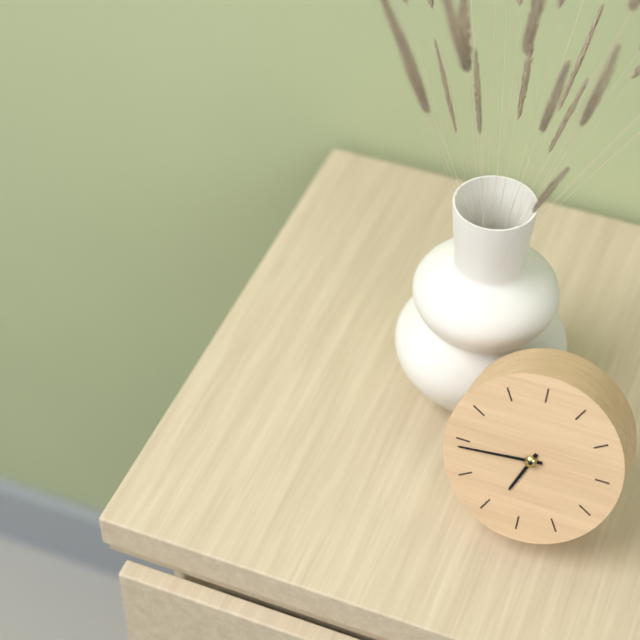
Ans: 6:44
